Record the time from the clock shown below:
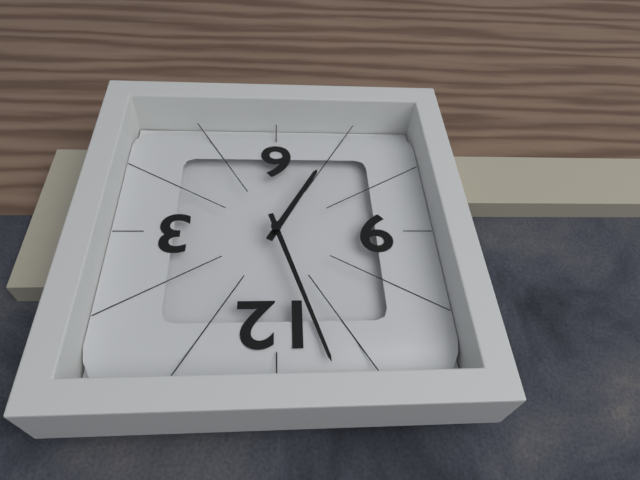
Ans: 6:57
